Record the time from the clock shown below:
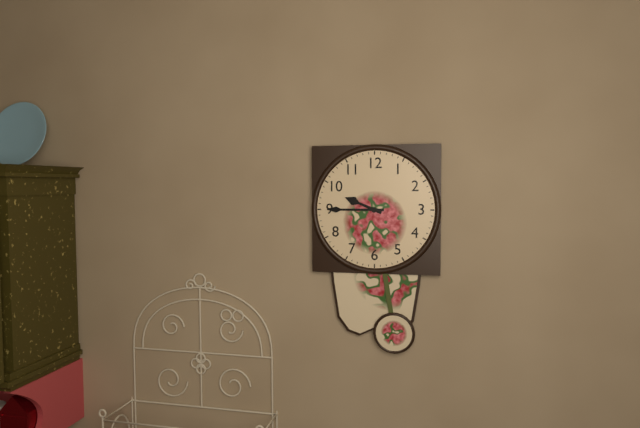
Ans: 9:45
